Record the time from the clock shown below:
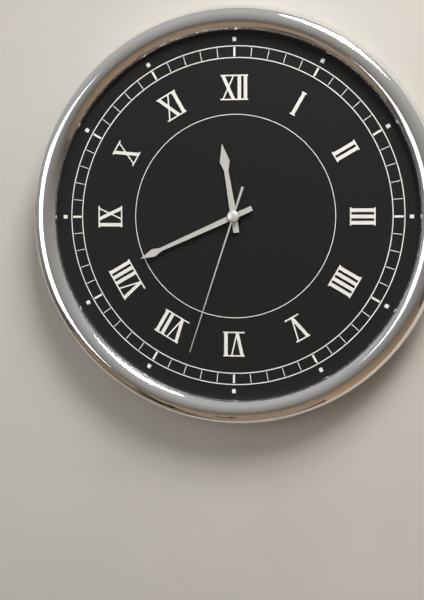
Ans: 11:41:33
